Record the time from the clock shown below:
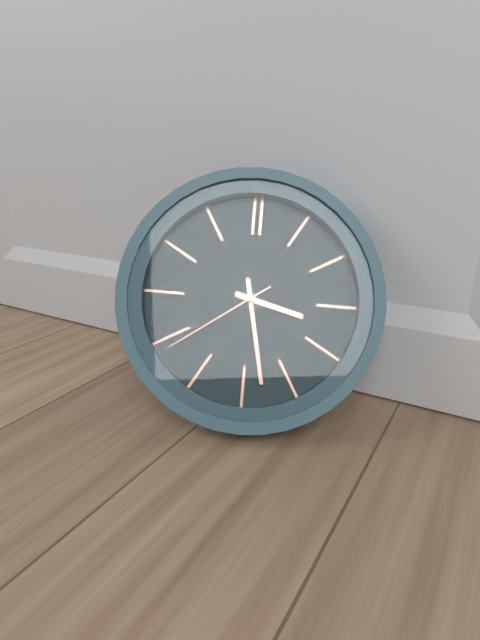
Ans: 3:28:39
